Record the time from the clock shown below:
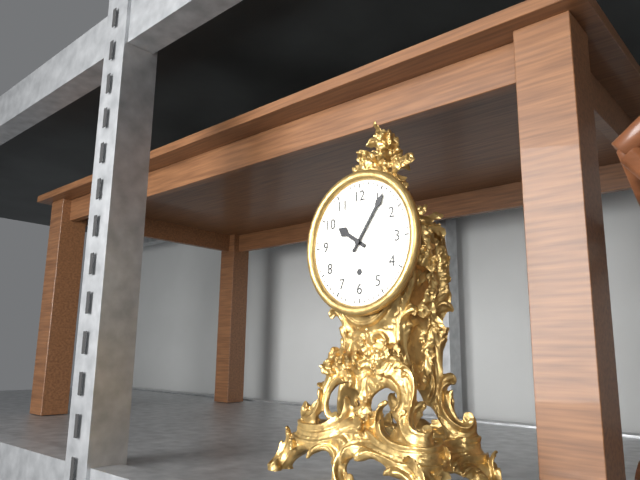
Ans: 10:06
